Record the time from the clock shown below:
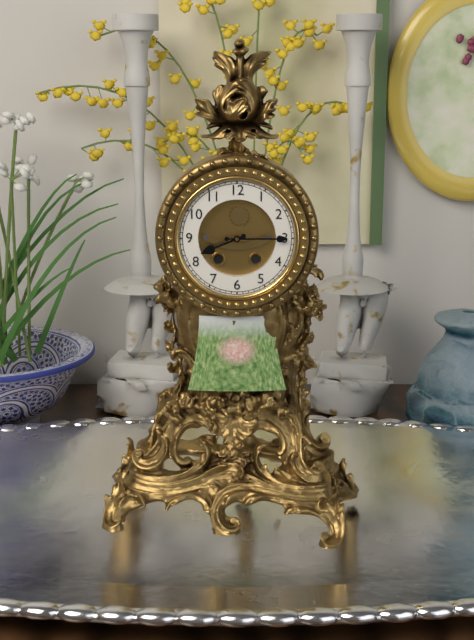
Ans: 8:15
